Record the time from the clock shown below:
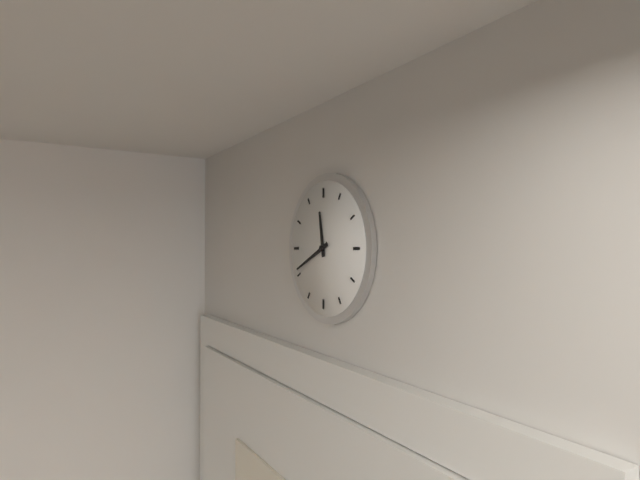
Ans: 11:41
